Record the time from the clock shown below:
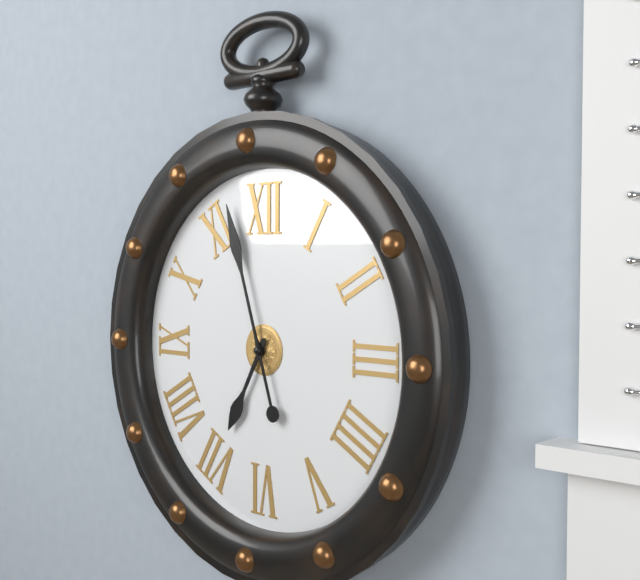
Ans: 6:57
